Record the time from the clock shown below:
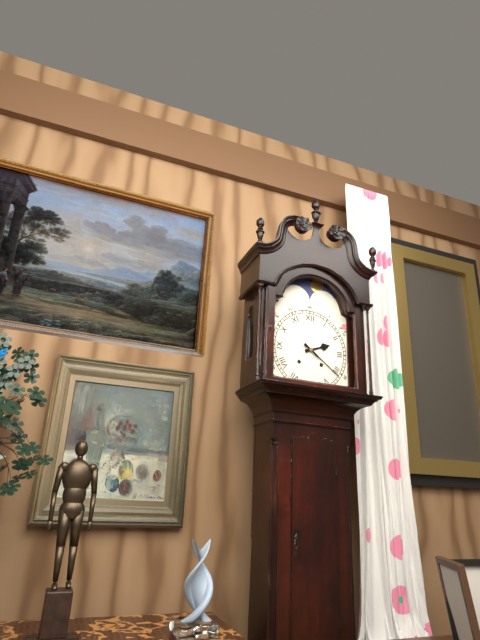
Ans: 2:21
